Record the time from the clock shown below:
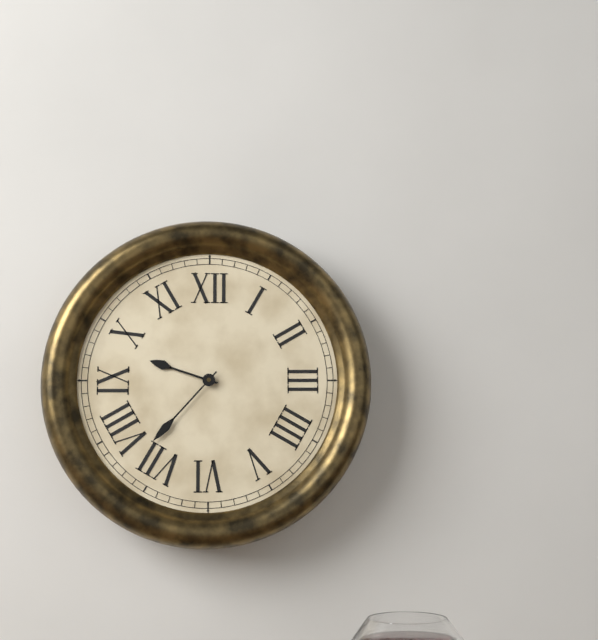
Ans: 9:37
